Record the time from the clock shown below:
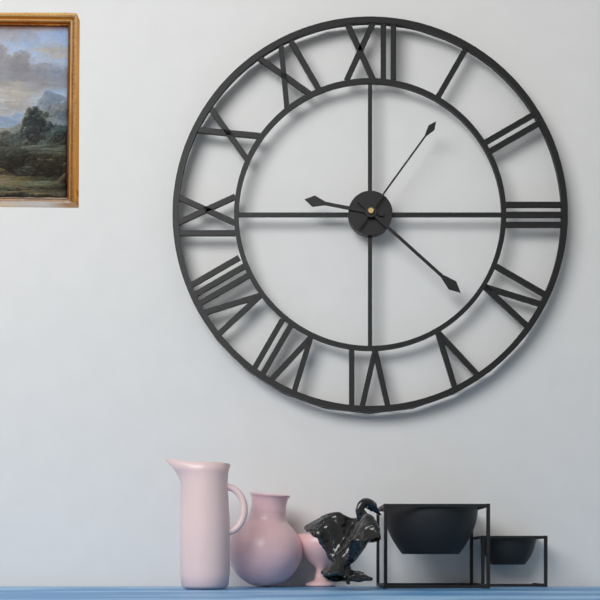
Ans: 9:22:06
